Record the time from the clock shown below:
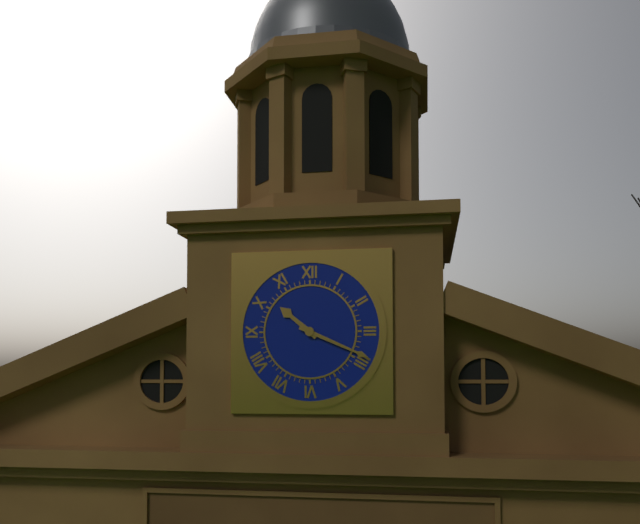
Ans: 10:19
